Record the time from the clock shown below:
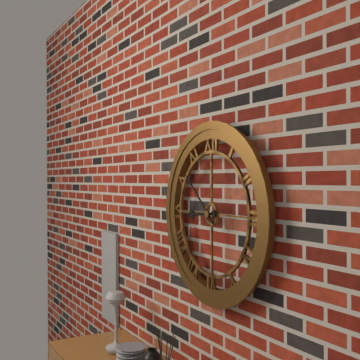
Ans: 8:52
